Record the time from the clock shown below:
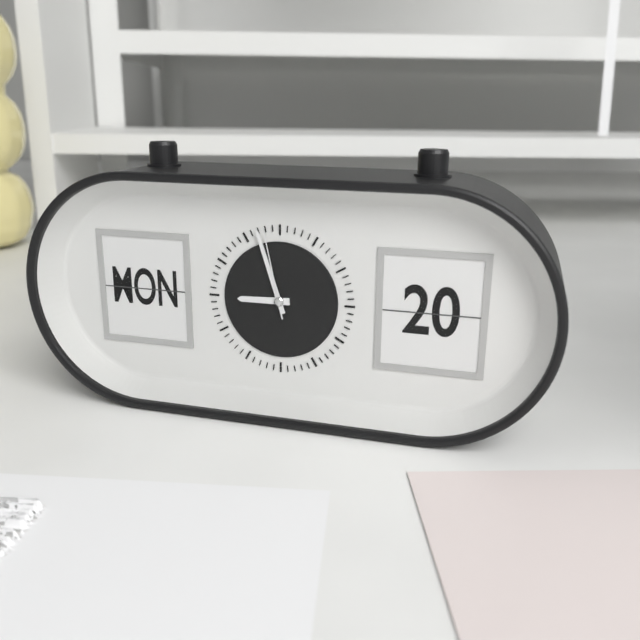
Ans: 8:57:58
